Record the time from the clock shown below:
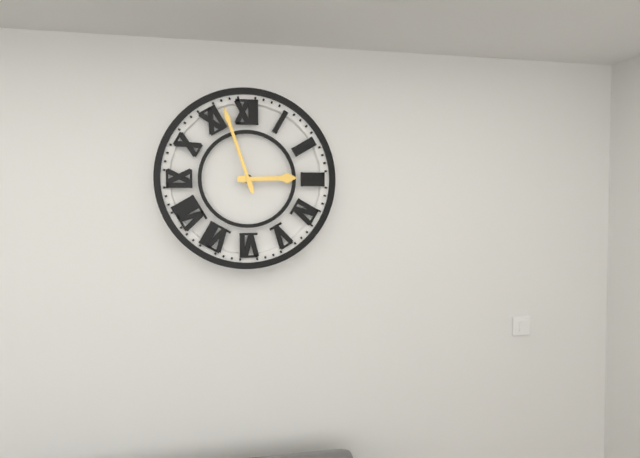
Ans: 2:57
